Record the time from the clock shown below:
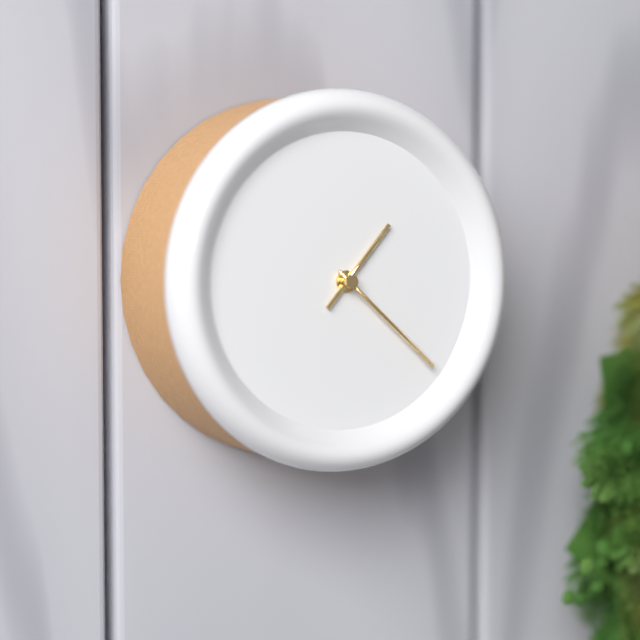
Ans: 1:22
